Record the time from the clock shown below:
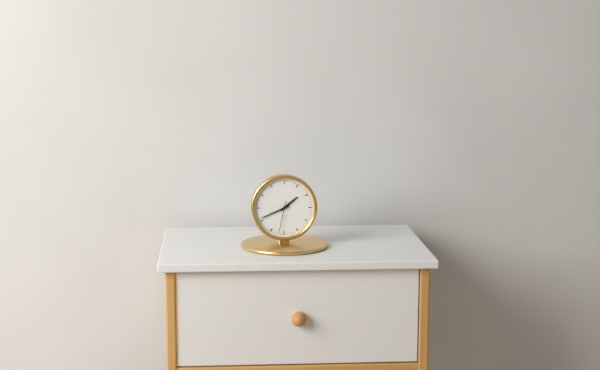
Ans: 1:41
